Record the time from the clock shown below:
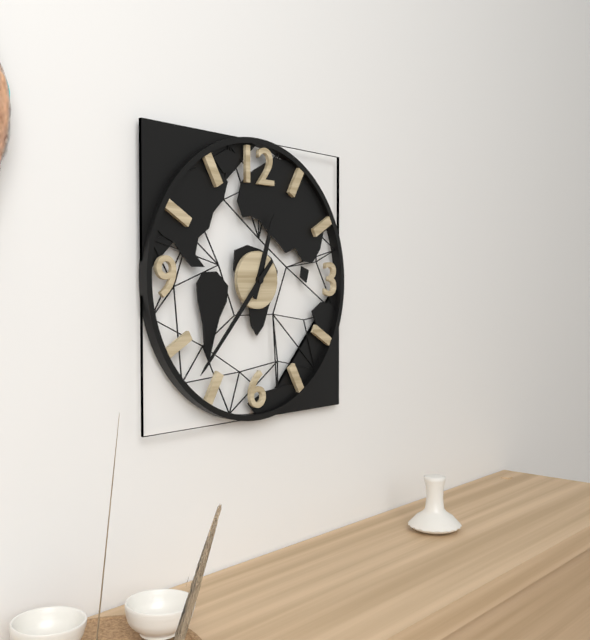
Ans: 12:37
